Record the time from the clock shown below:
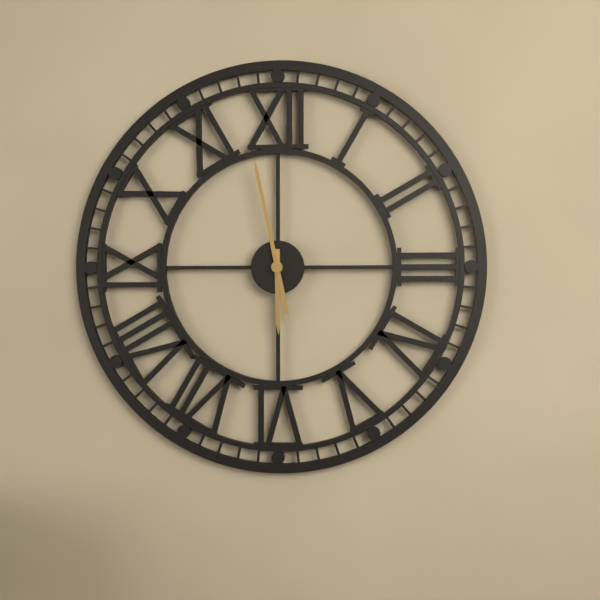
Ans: 5:58
